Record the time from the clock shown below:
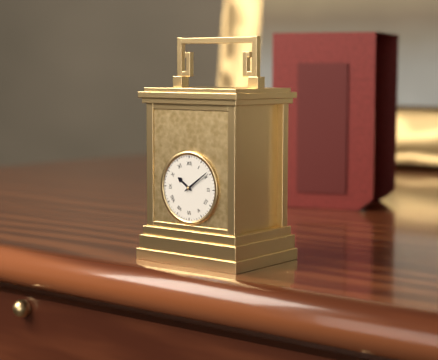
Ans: 10:09
